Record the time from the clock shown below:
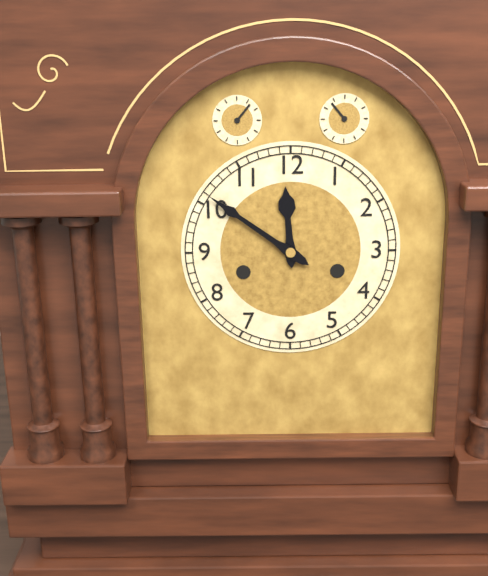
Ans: 11:51
